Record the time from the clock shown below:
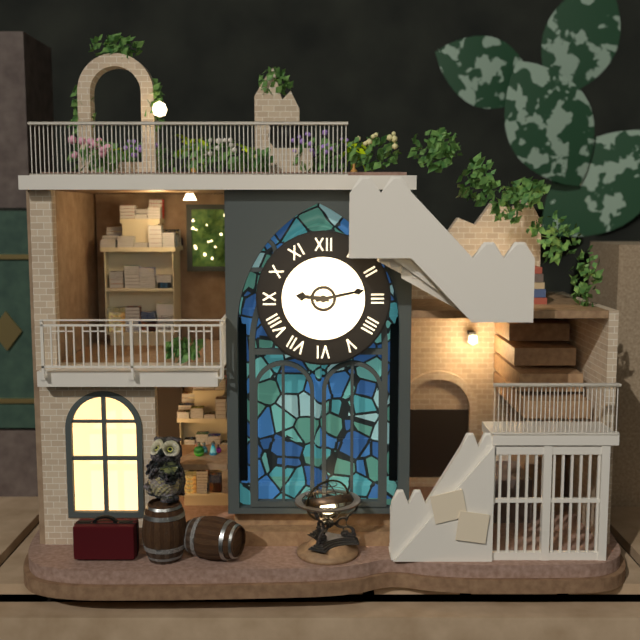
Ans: 9:13
